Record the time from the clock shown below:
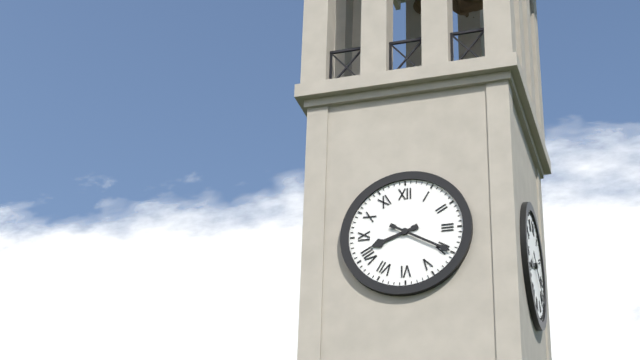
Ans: 8:20
